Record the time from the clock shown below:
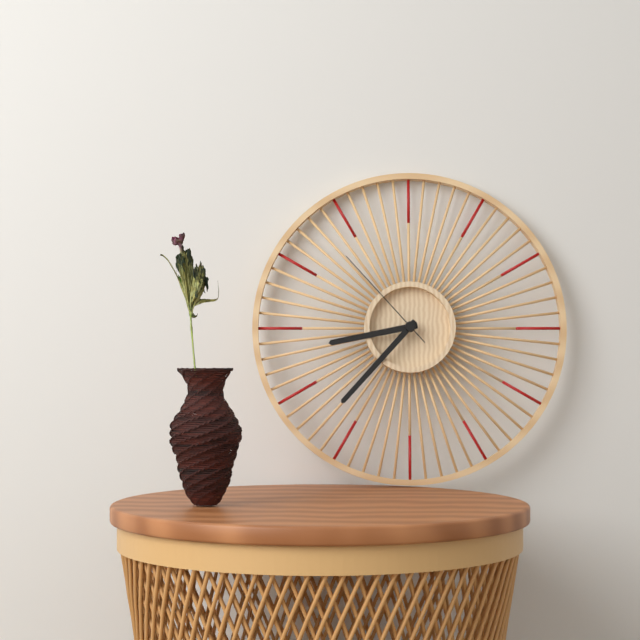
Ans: 8:37:53
